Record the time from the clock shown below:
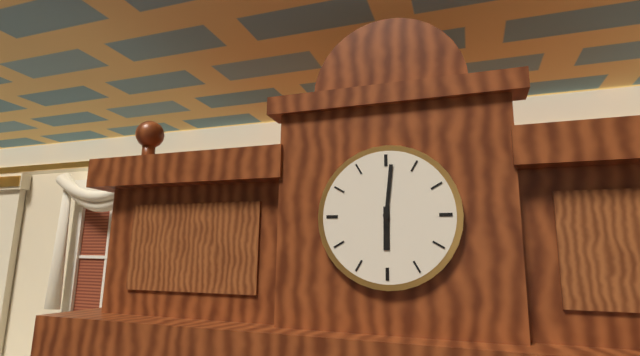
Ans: 6:01
